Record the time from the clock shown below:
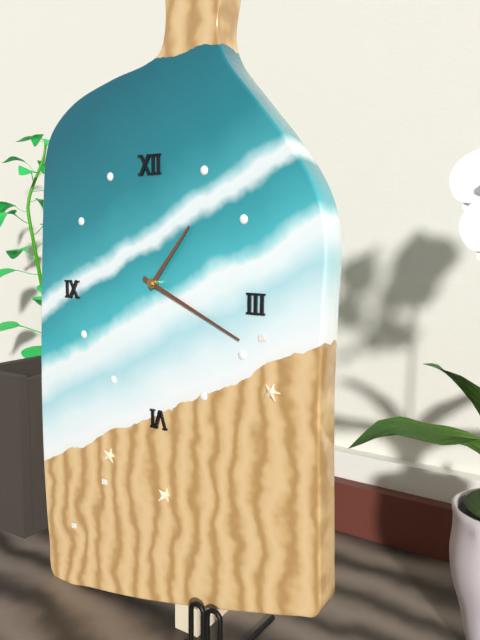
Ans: 1:19
